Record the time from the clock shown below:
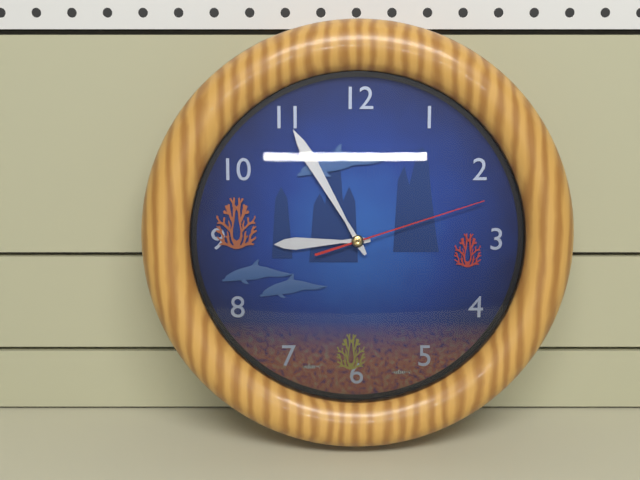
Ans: 8:55:12
